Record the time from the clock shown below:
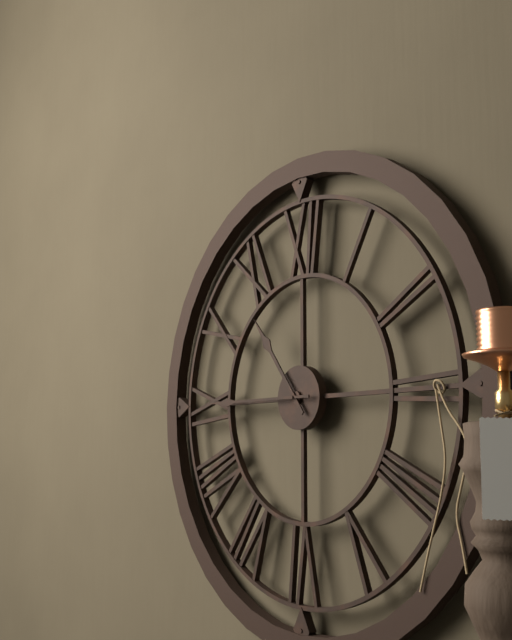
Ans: 10:45
